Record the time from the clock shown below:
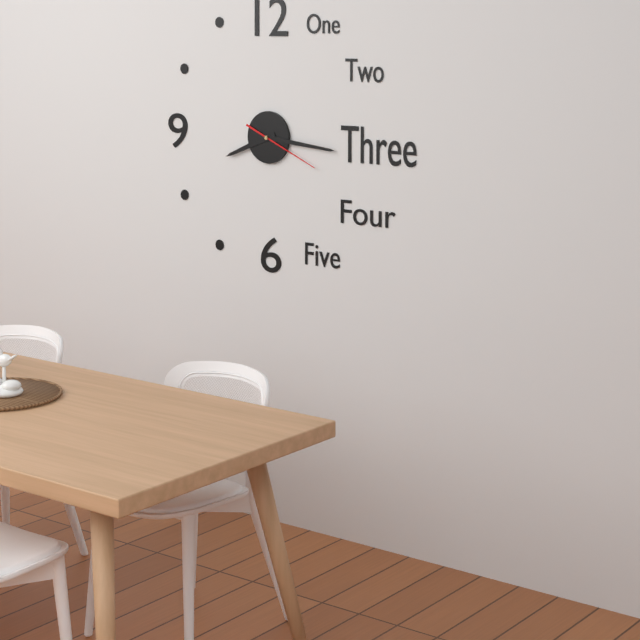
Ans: 8:16:19
